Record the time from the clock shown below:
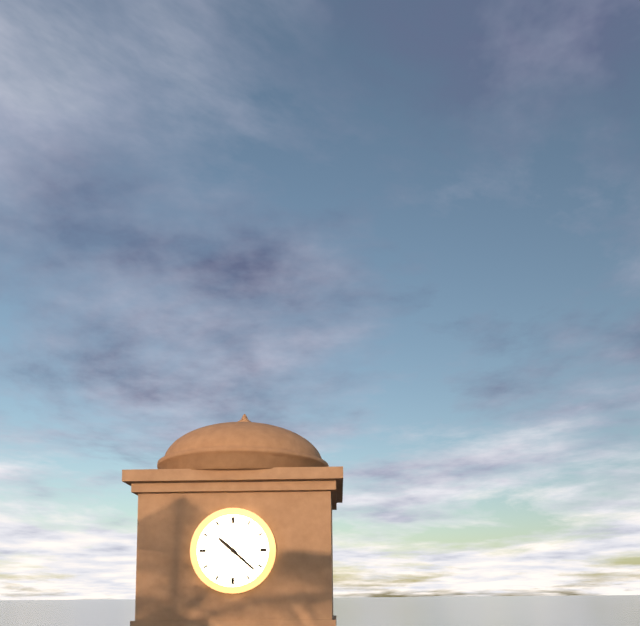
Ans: 10:22
